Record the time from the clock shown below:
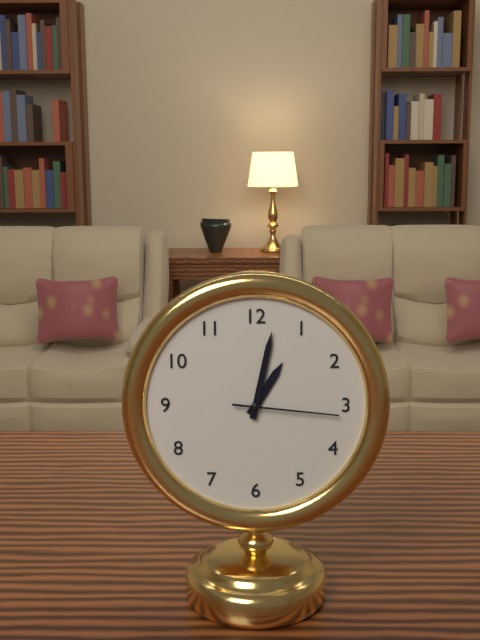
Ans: 1:02:16
